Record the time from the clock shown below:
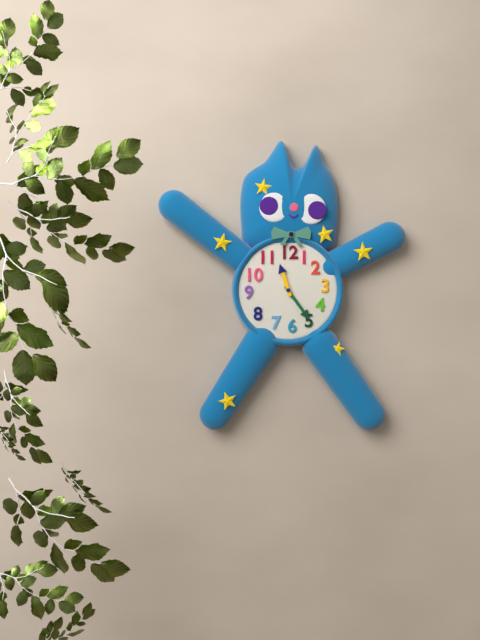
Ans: 11:24
